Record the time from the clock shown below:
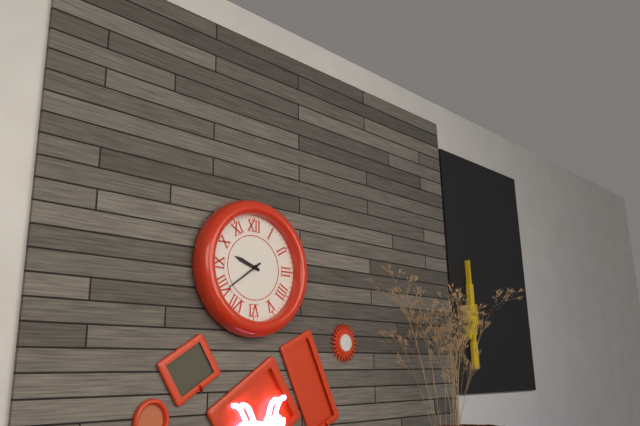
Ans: 9:39
